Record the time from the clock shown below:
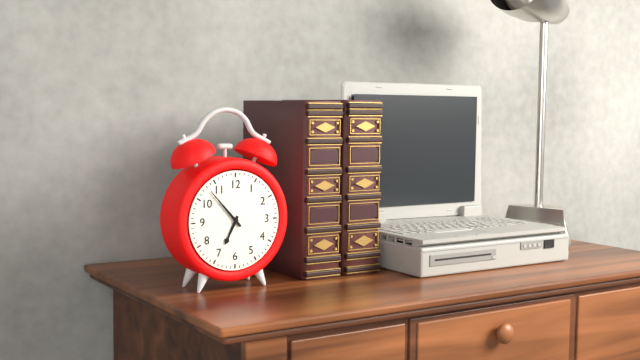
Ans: 6:53
